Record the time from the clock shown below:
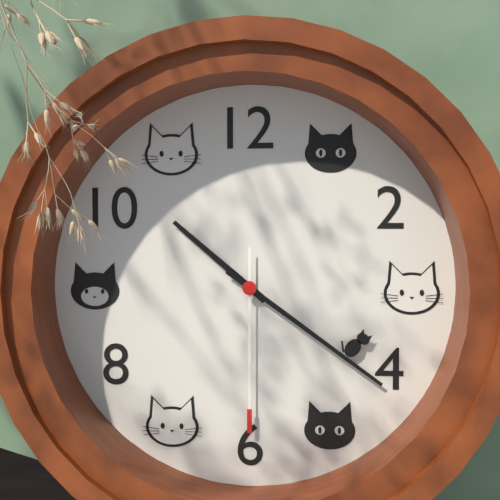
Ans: 10:21:30
